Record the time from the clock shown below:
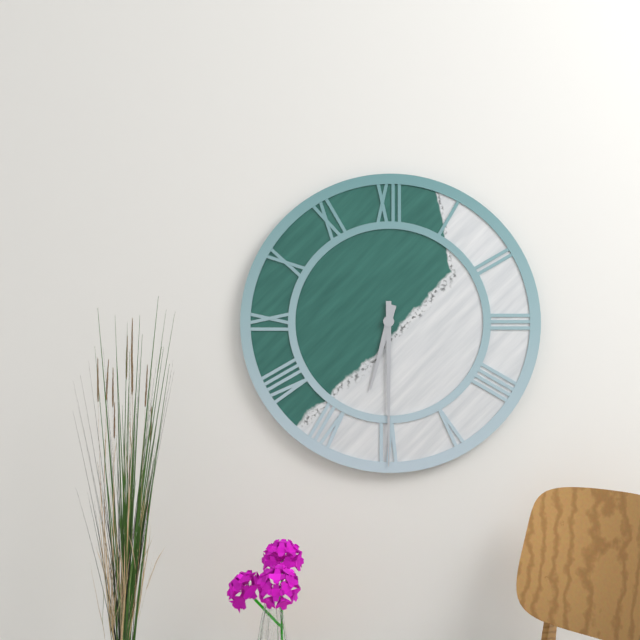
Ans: 6:30
